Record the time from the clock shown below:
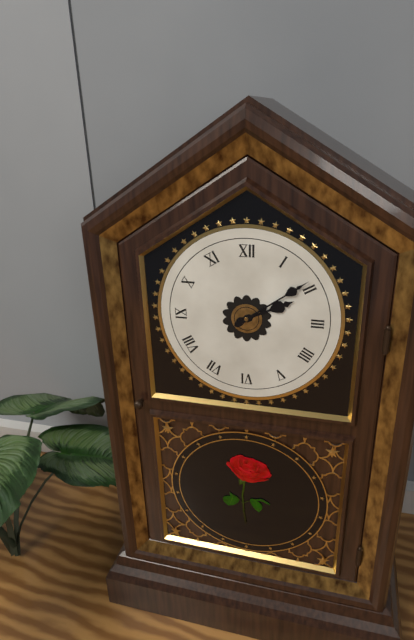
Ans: 2:09
